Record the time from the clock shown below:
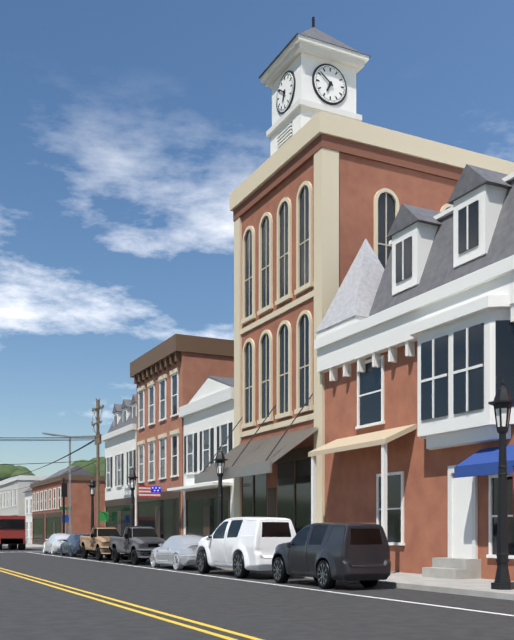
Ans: 6:51
